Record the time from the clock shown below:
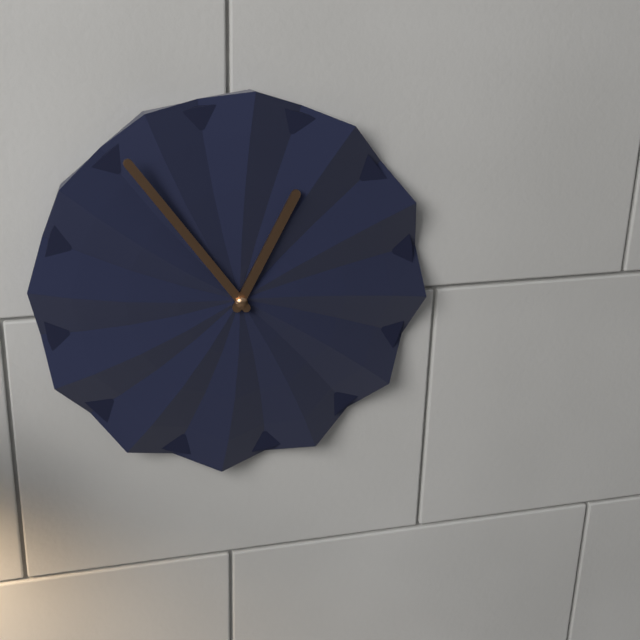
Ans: 12:54
